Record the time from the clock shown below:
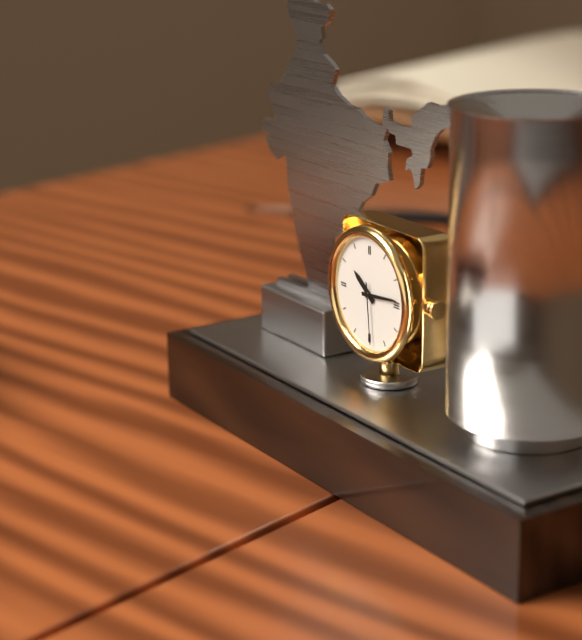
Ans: 10:14:29
